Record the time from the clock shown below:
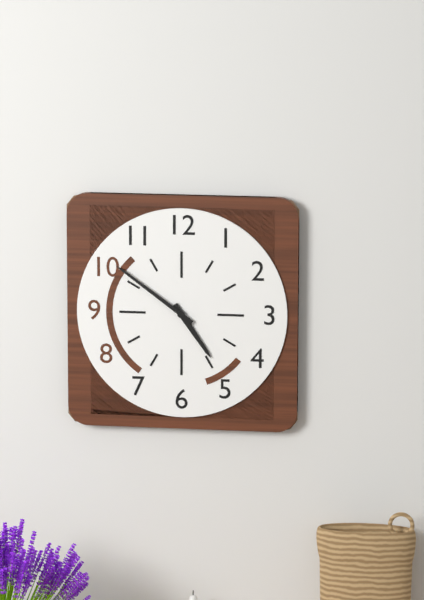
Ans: 4:51
